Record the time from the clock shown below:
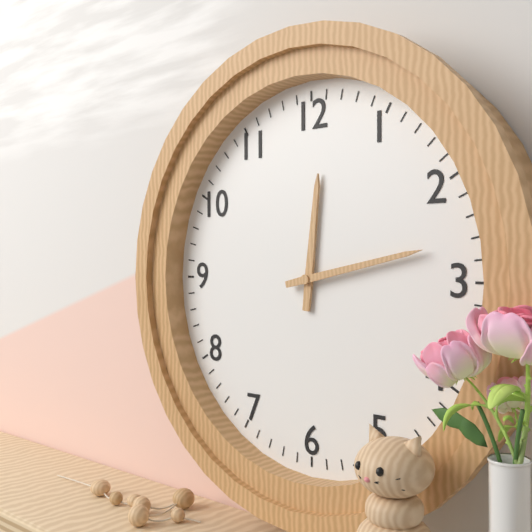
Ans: 12:13
